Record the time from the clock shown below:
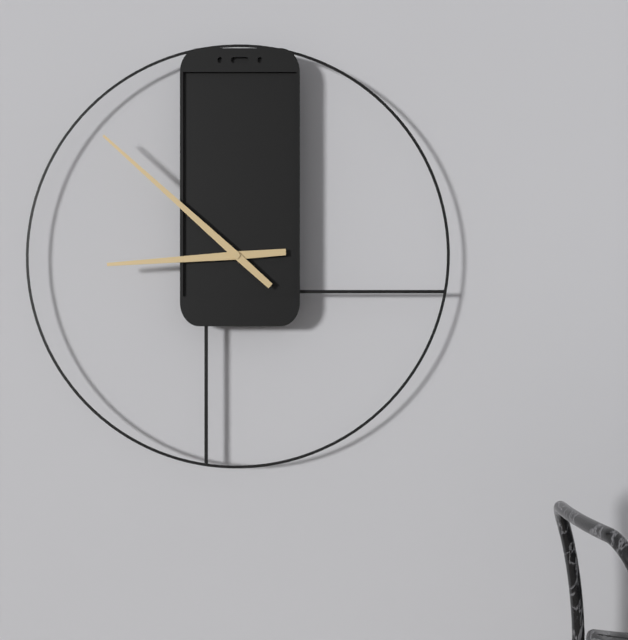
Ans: 8:52
